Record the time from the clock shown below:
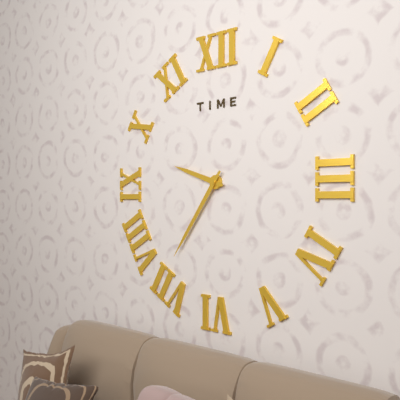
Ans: 9:36
